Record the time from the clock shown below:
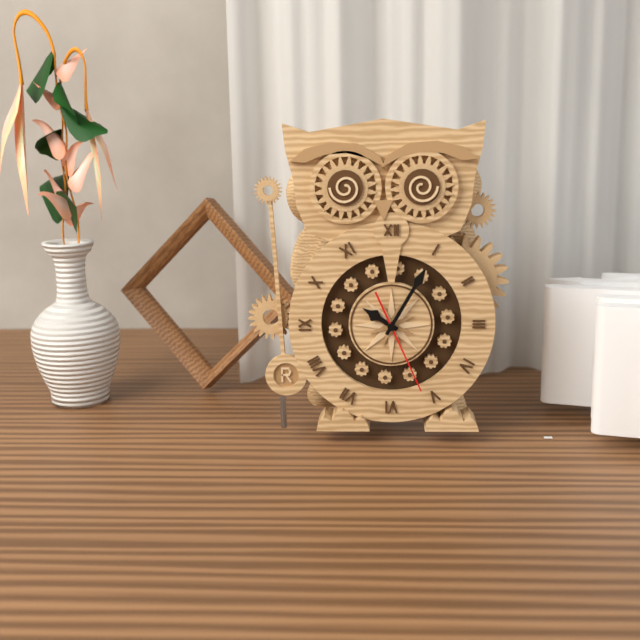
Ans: 10:05:26
